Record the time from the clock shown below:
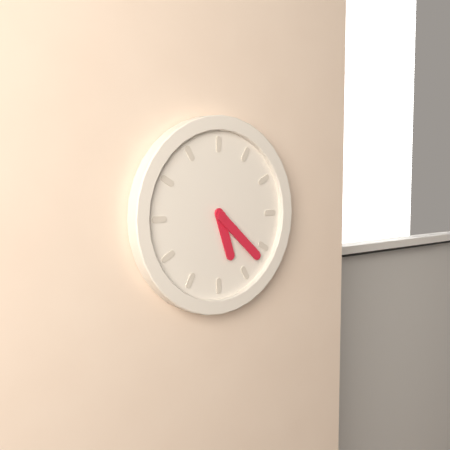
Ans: 5:22
